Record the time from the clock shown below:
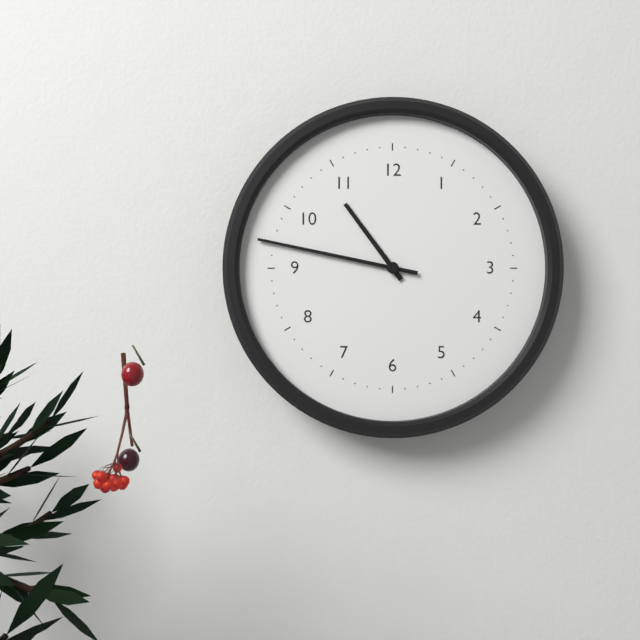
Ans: 10:47
